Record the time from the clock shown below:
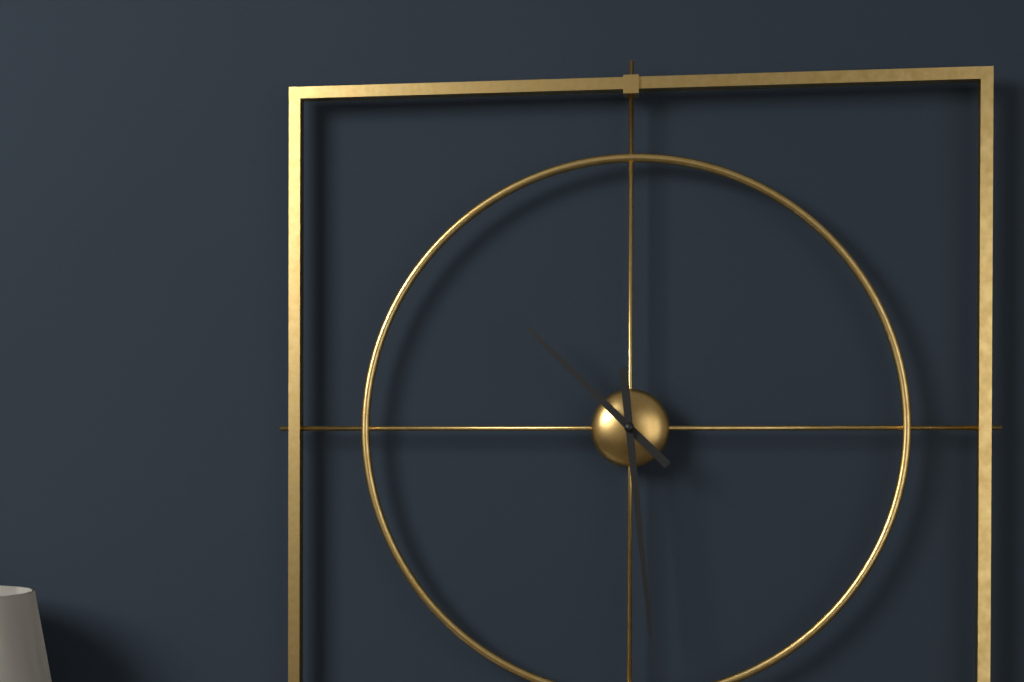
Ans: 10:29
